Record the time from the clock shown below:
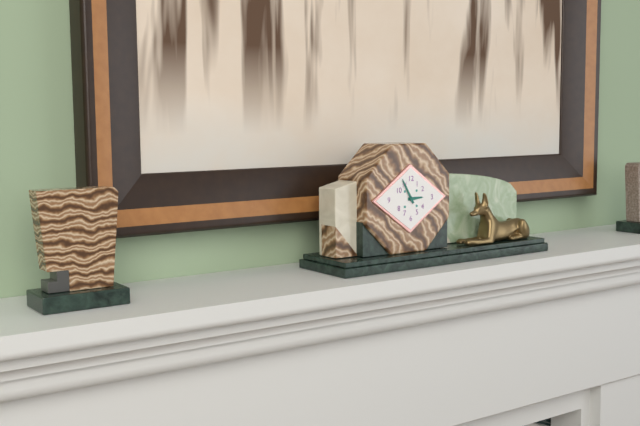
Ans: 2:55
